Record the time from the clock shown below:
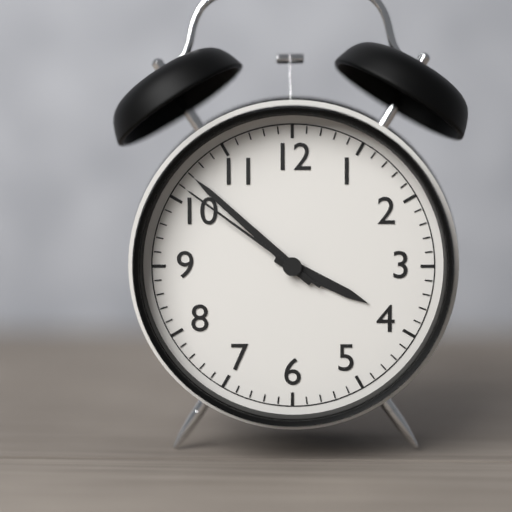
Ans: 3:52:51
